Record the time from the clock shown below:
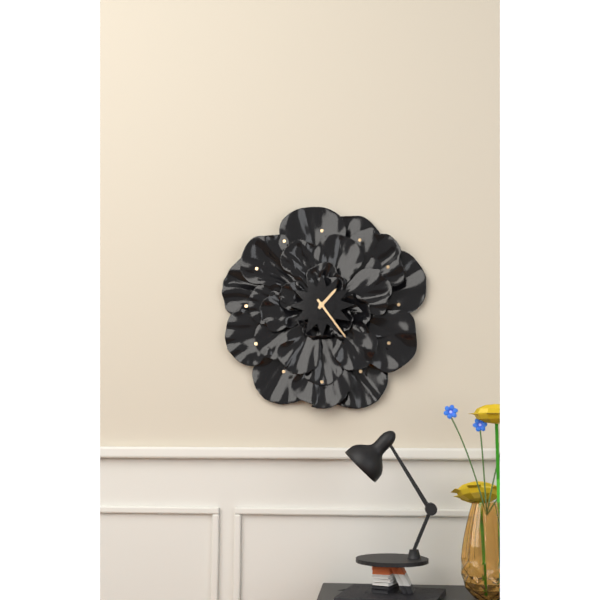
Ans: 1:24
